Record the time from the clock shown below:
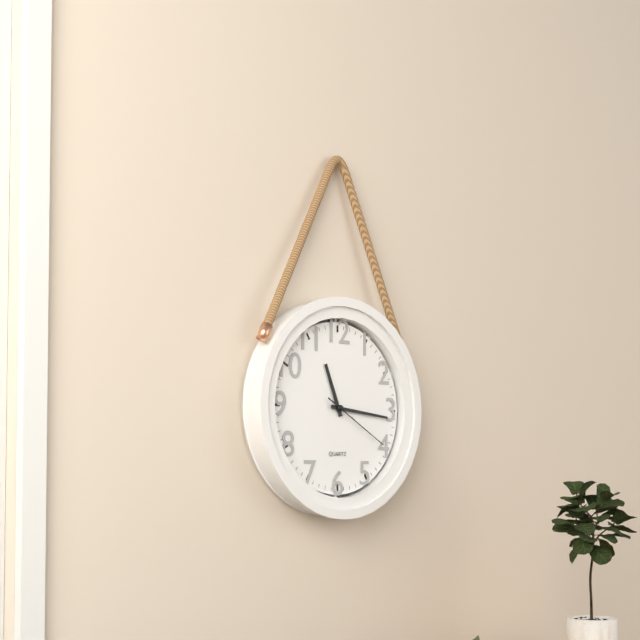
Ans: 11:16:20
